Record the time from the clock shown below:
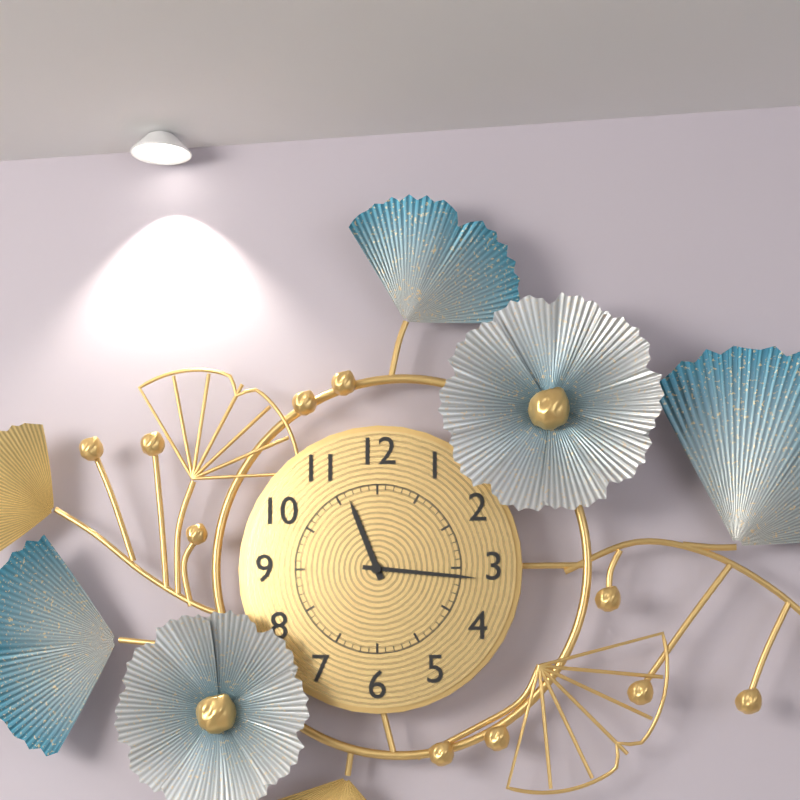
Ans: 11:16
